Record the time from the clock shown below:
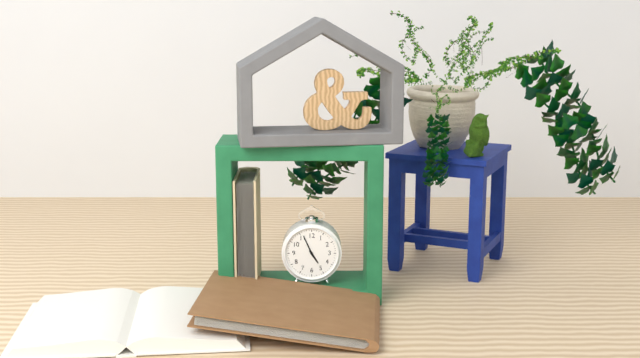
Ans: 4:56
